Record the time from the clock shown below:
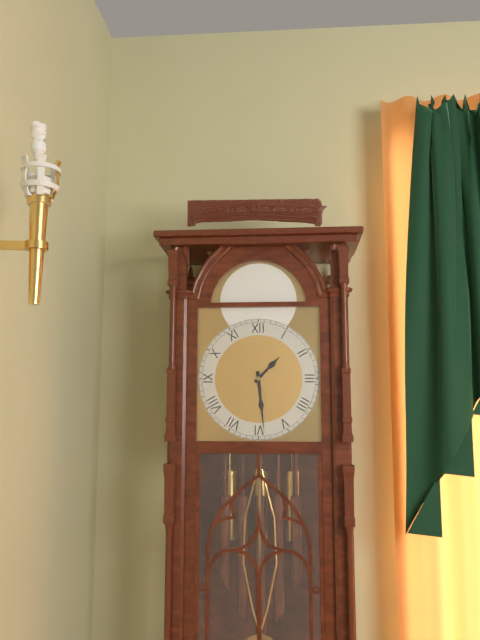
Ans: 1:29
